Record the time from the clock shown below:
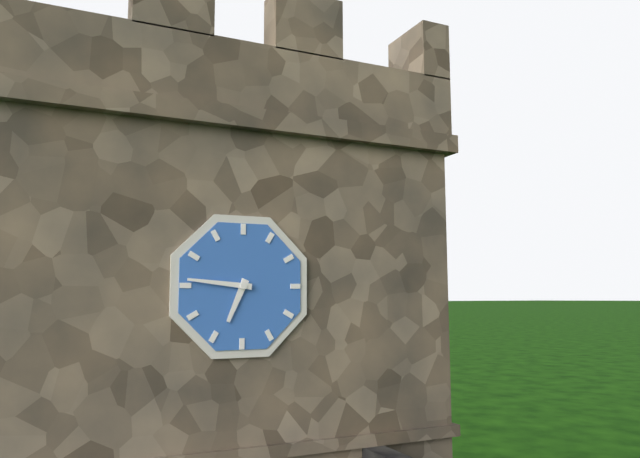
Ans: 6:46
